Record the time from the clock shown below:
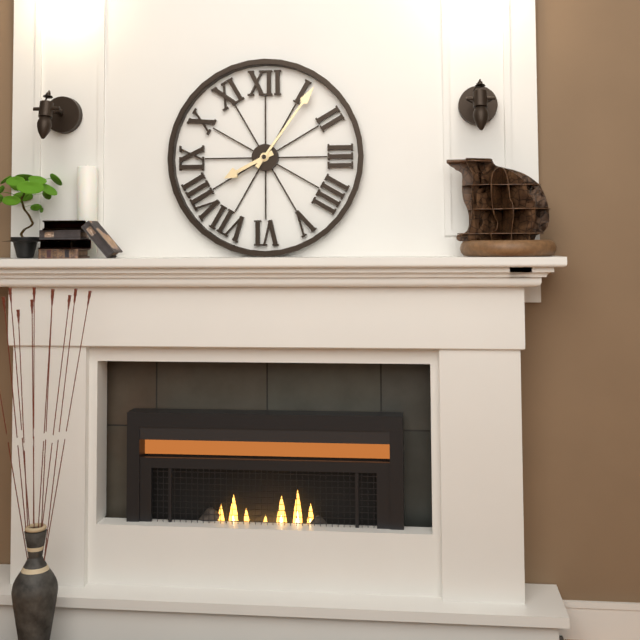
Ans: 8:06
